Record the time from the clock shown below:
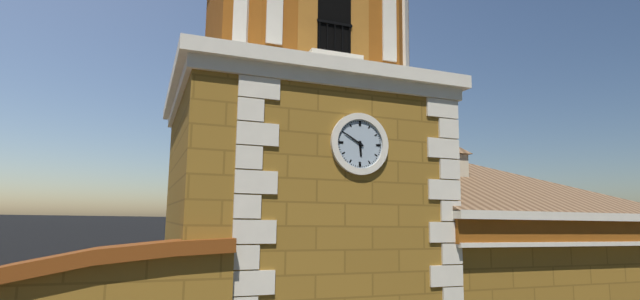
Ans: 5:50
